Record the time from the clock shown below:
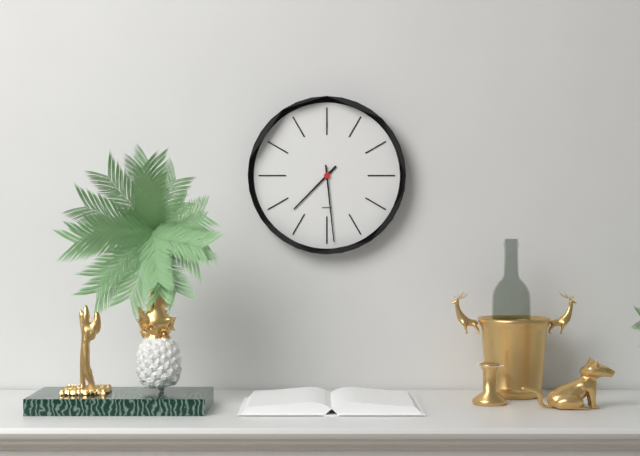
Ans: 7:29
